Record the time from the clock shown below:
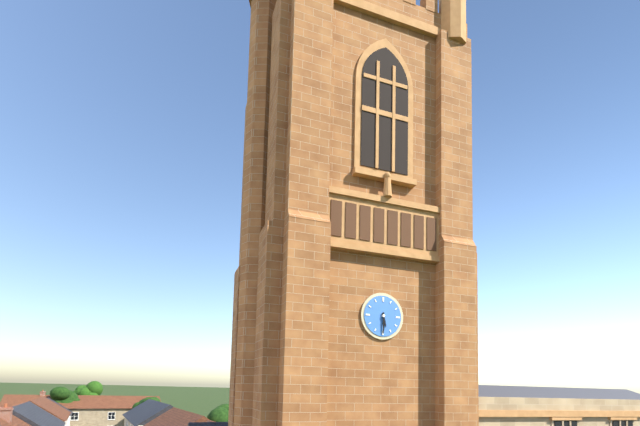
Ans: 5:30
